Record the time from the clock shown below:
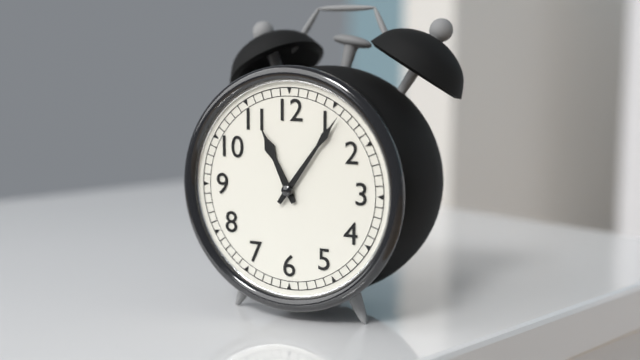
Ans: 11:06
